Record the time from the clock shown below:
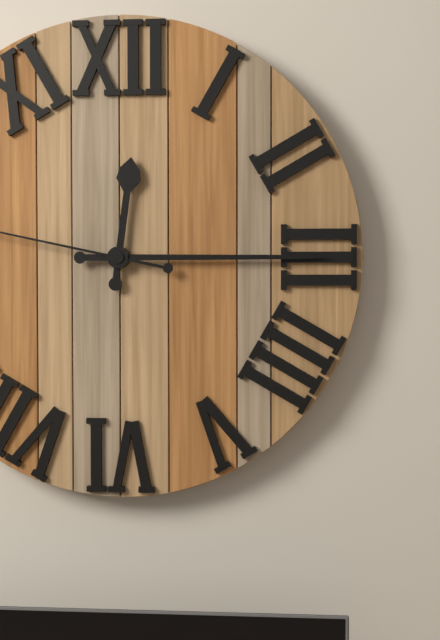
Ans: 12:15
